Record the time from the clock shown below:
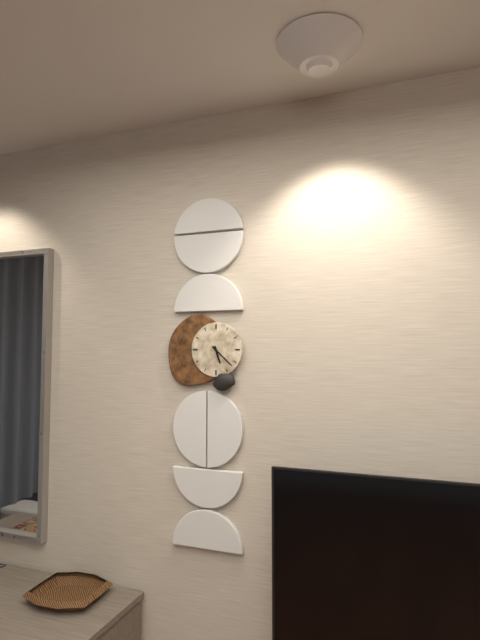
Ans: 5:22
